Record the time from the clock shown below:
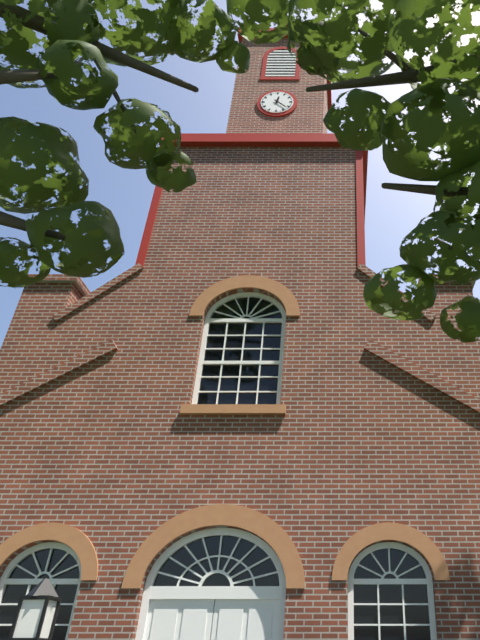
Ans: 12:22
